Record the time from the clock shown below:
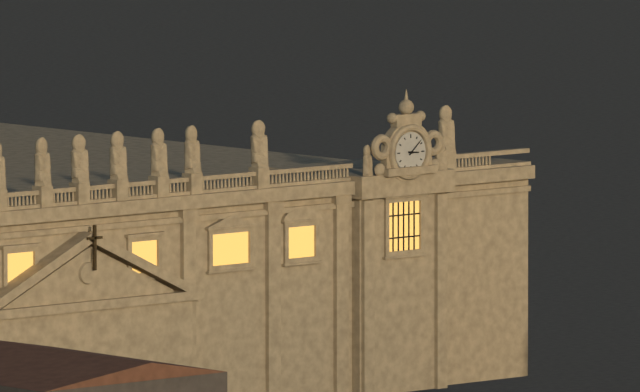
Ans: 3:08
